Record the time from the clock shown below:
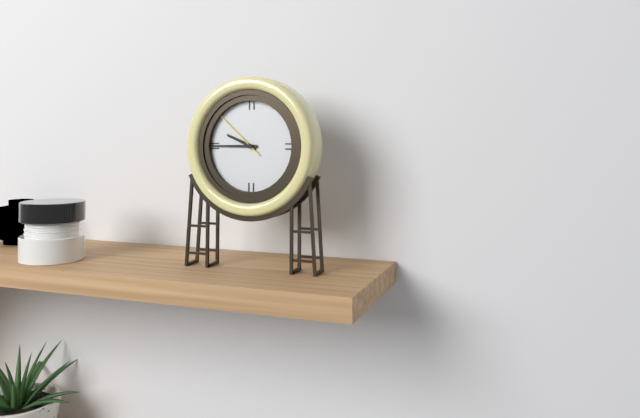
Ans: 9:45:52
